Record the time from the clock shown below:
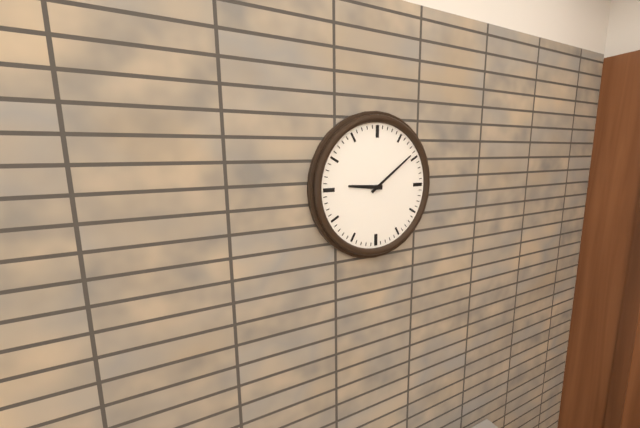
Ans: 9:09
